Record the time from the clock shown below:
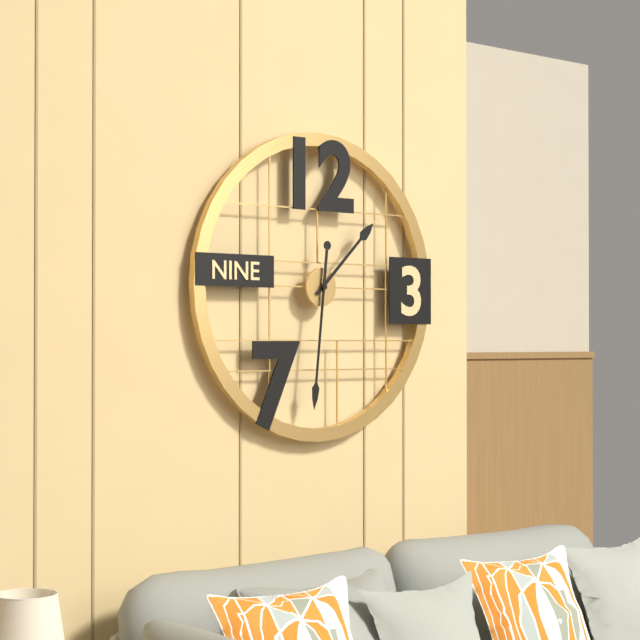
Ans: 1:31
